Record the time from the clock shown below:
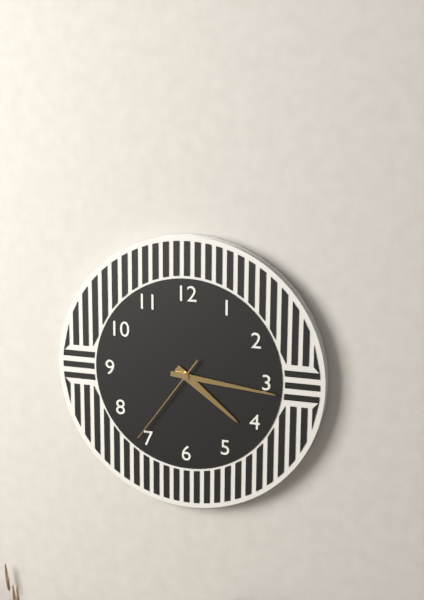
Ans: 4:16:36
